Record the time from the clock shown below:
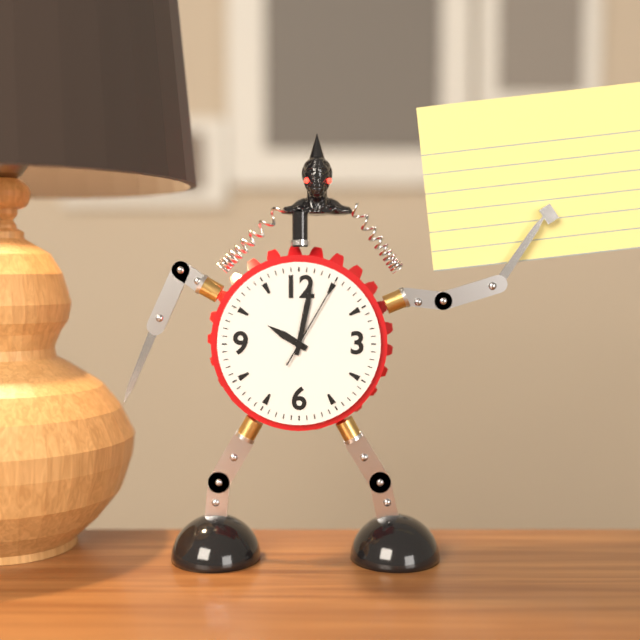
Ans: 10:02:05
